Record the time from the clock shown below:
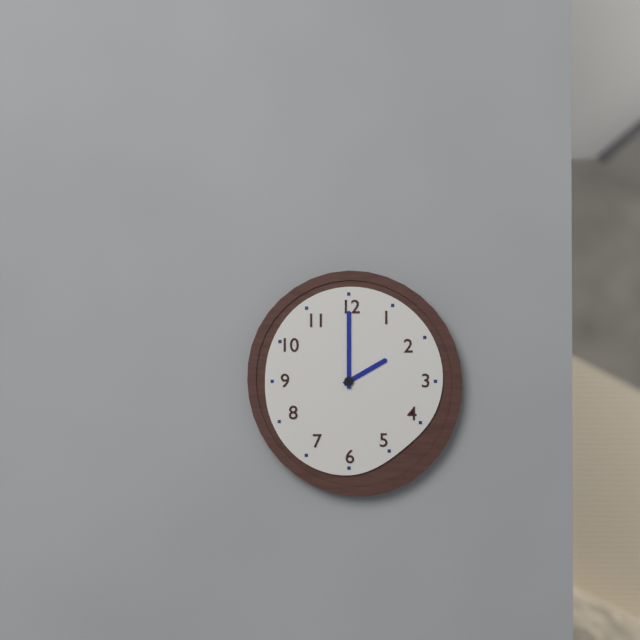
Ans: 2:00
